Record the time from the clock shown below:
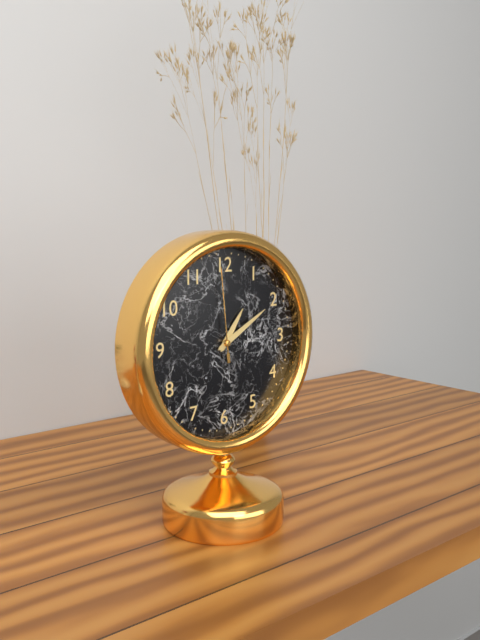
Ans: 1:10:59
